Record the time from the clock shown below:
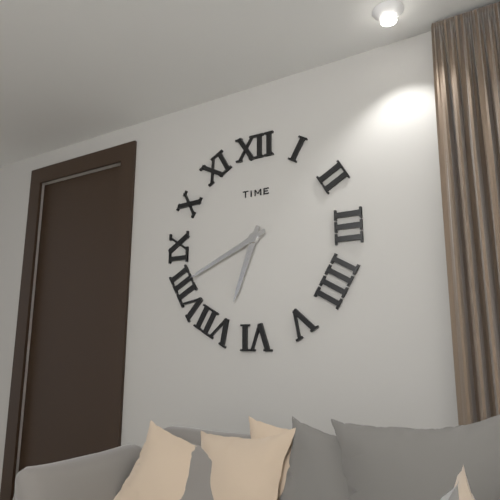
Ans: 6:41
